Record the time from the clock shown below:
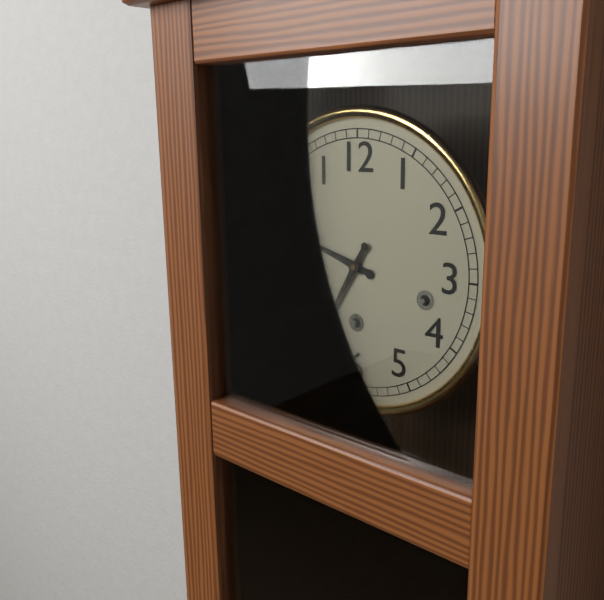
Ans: 9:35
